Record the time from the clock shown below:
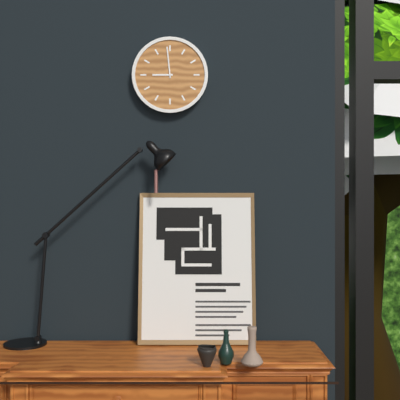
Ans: 8:59
